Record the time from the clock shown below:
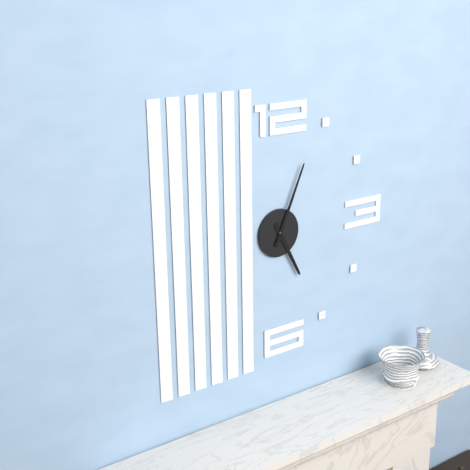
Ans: 5:04
